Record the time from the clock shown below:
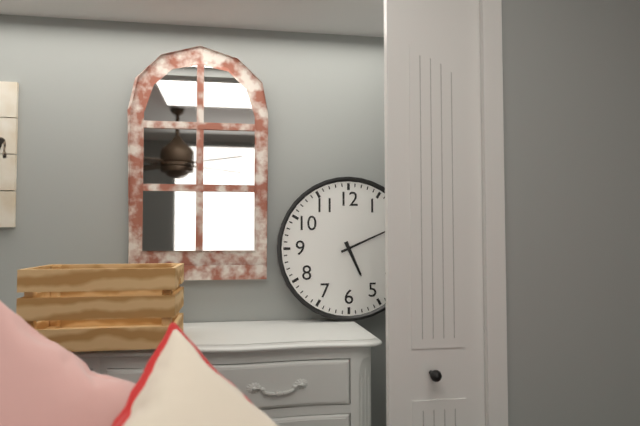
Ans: 5:11
